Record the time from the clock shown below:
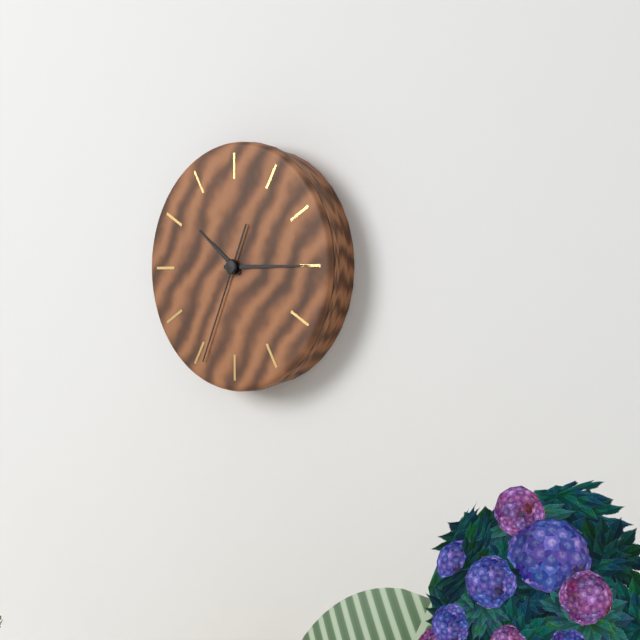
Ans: 10:15:34
